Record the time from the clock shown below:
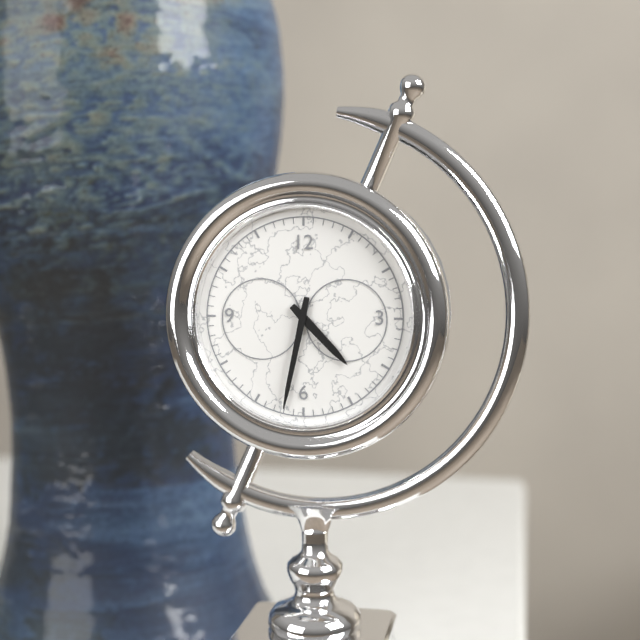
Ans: 4:32
